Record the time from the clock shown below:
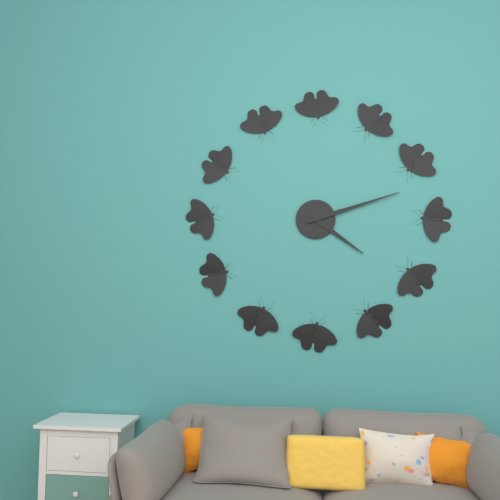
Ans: 4:12
